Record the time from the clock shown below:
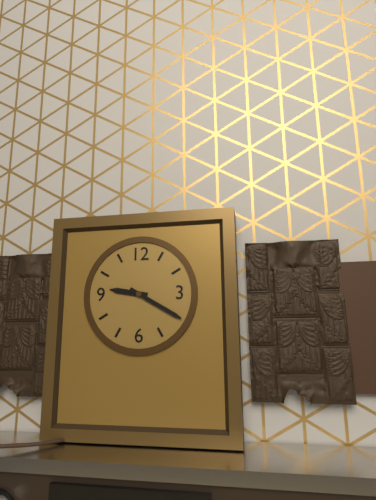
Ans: 9:20
